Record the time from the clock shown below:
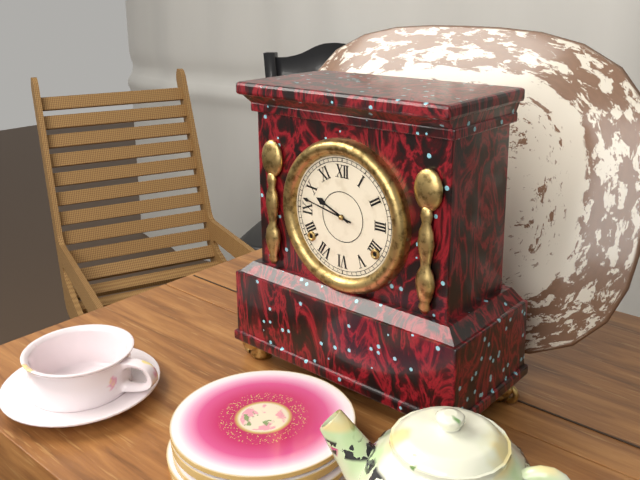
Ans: 9:47
